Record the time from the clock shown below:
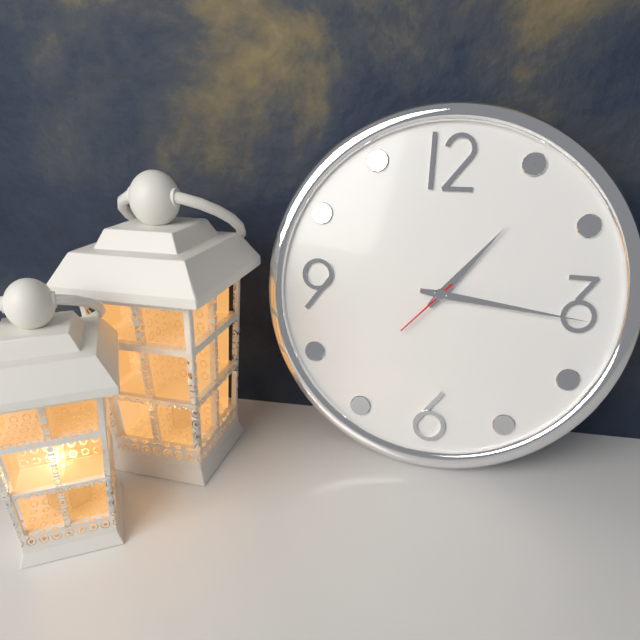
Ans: 1:16:37
